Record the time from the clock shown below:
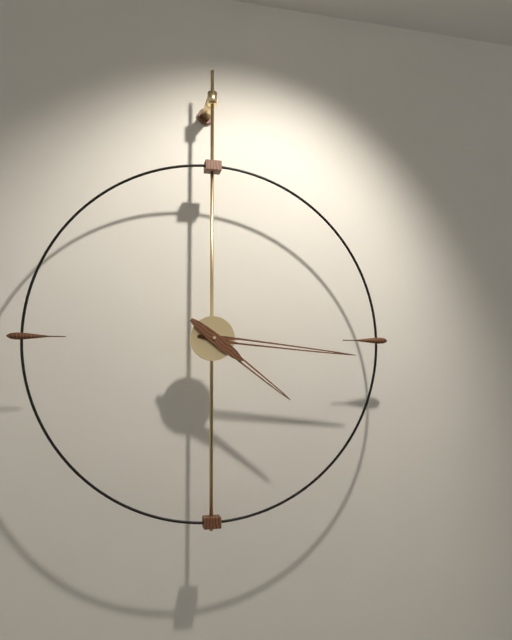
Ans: 4:16
